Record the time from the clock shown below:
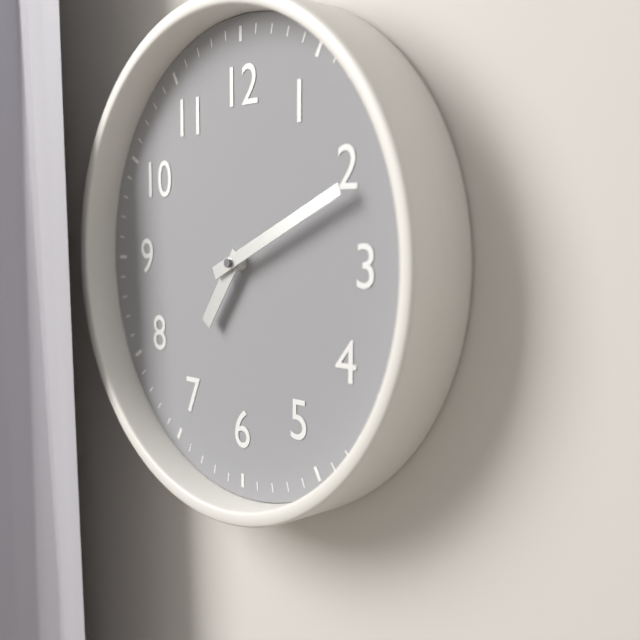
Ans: 7:11
